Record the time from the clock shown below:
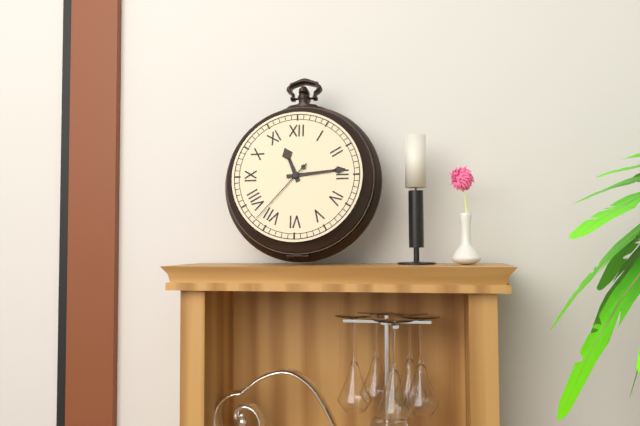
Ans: 11:14:37
